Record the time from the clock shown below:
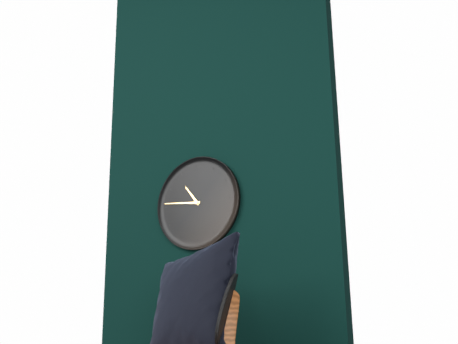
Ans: 10:46
